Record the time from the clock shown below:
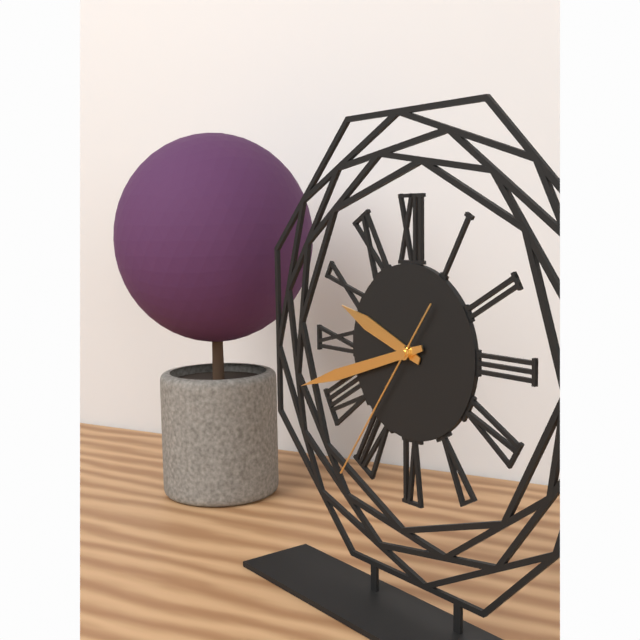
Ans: 9:42:36
